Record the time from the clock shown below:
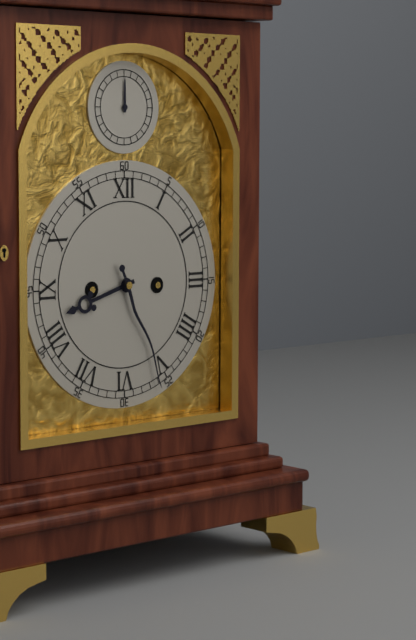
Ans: 8:26
